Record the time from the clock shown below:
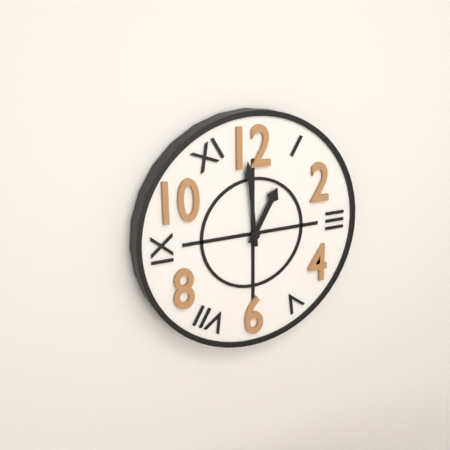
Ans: 12:59
